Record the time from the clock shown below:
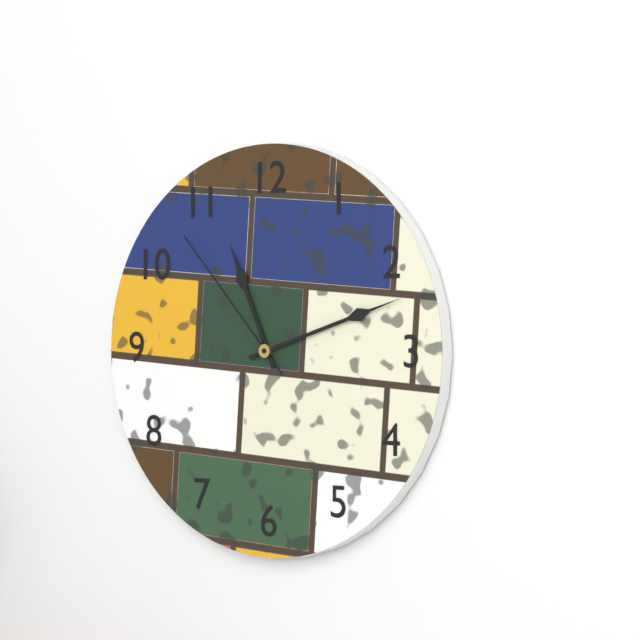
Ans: 11:12:53
